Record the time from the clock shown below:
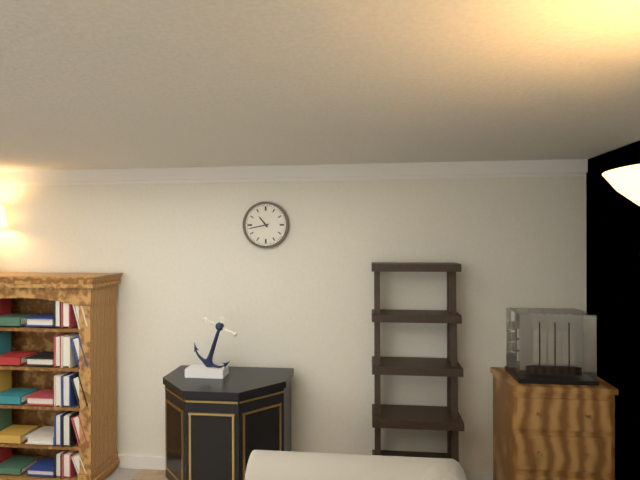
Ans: 10:43
